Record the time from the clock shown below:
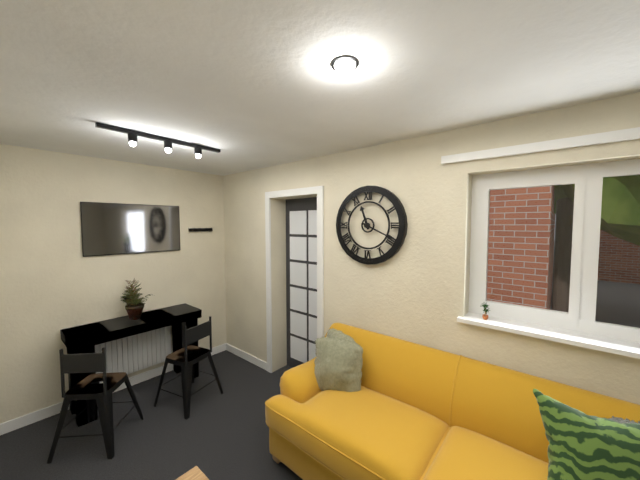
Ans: 11:19
